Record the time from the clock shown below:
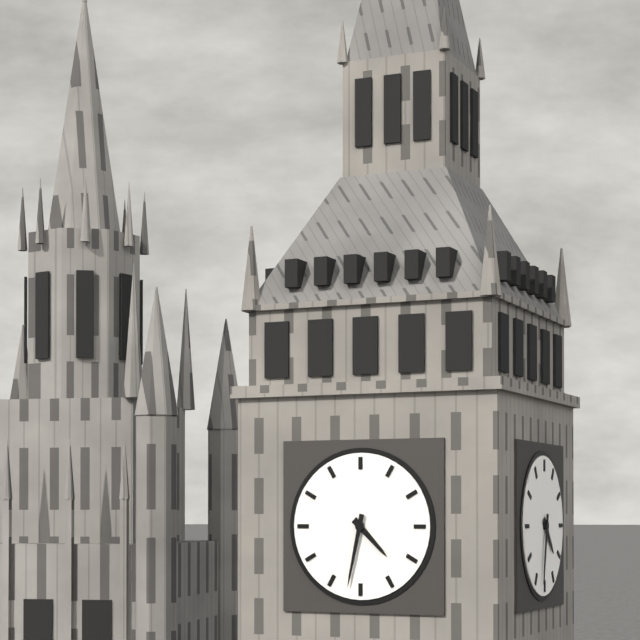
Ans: 4:32
